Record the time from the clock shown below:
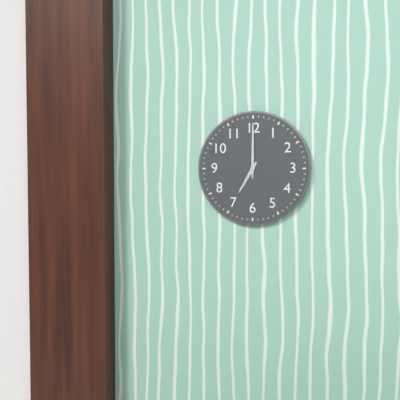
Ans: 7:00
